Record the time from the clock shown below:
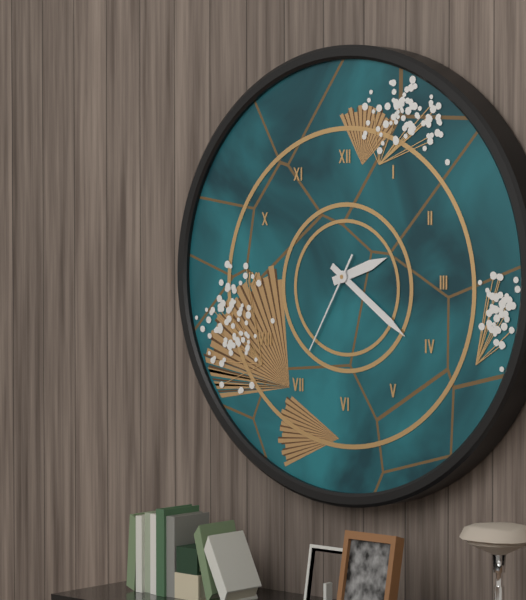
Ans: 2:21:35
